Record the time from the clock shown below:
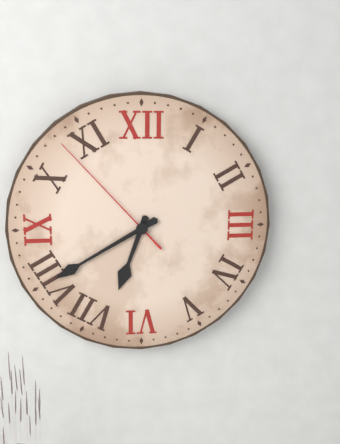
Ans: 6:40:53
